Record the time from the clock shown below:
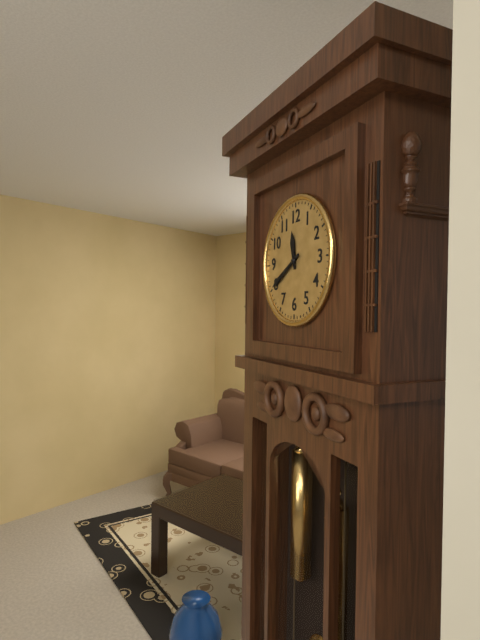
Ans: 11:40
